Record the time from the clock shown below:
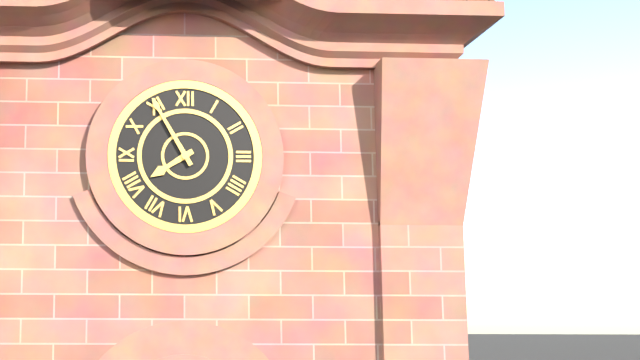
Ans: 7:55
